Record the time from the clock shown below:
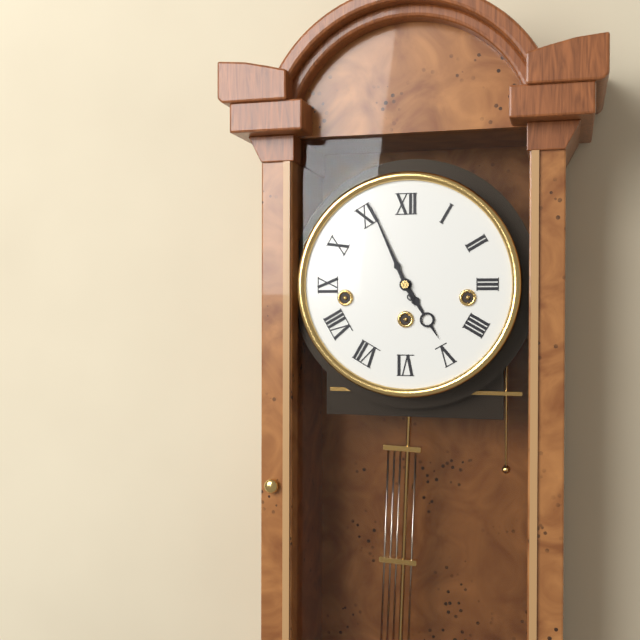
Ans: 4:56
